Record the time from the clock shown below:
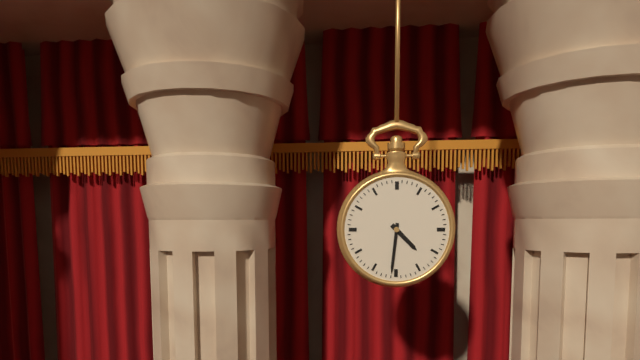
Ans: 4:31
